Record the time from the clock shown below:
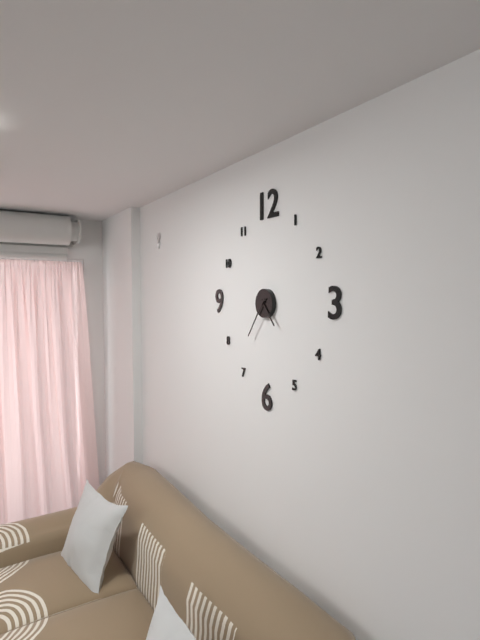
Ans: 4:36
